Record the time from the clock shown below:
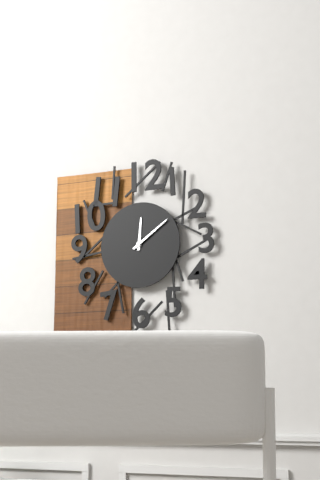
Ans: 12:09
